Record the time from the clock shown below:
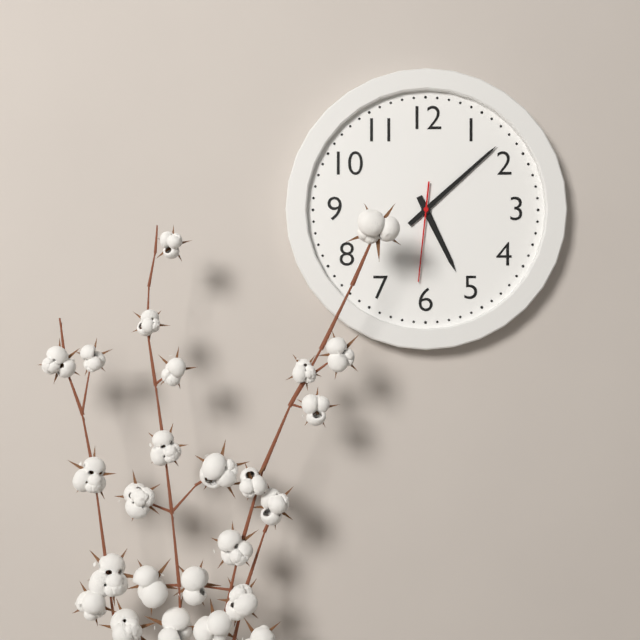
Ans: 5:08:31
